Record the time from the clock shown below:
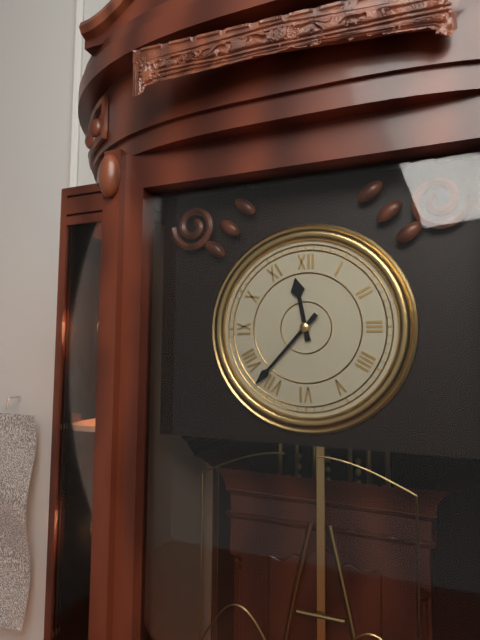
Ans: 11:37
